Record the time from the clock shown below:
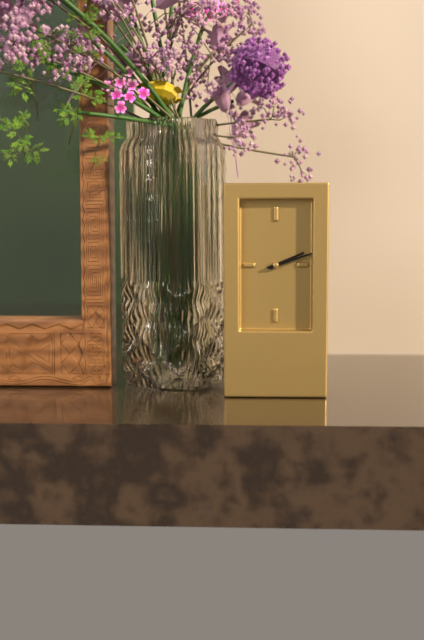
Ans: 2:12
